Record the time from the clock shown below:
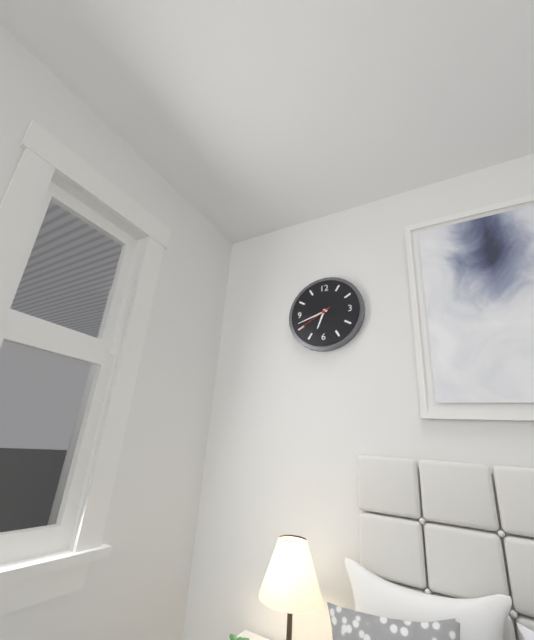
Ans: 6:42
